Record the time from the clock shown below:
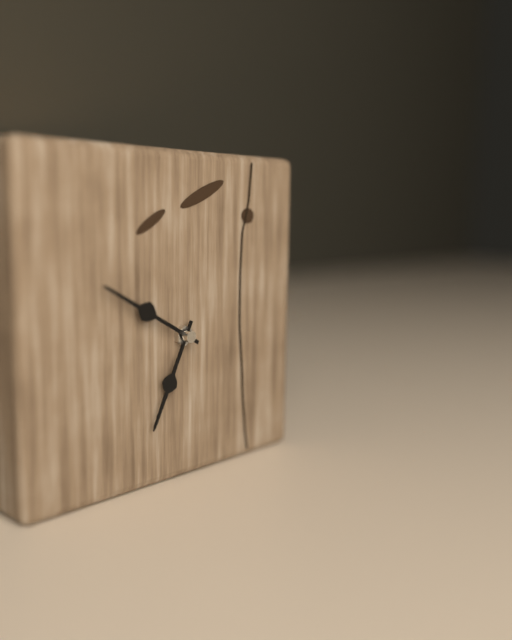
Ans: 6:50
